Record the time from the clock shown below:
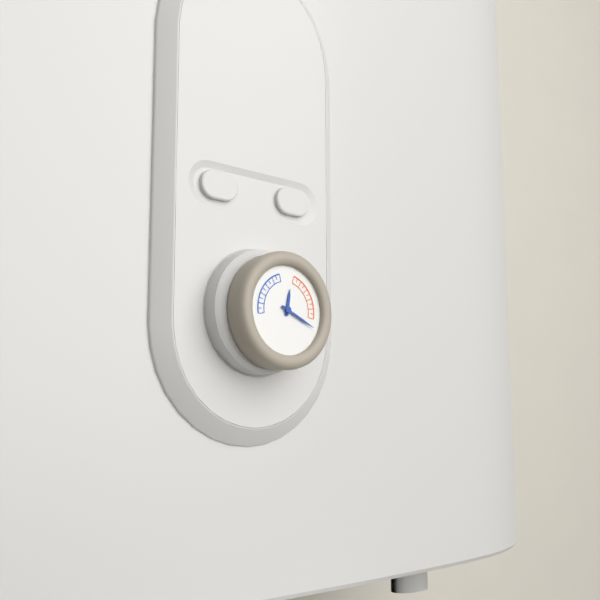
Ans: 12:19
